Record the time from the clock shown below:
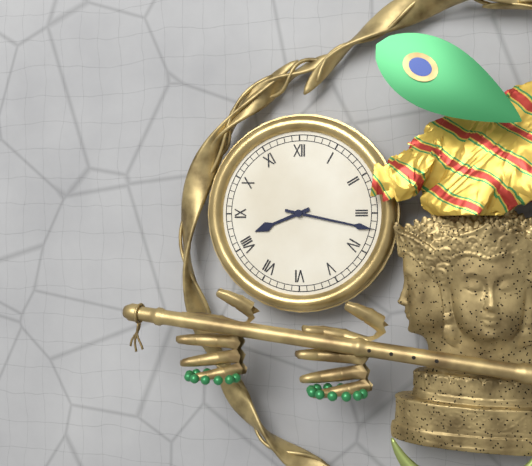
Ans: 8:17
